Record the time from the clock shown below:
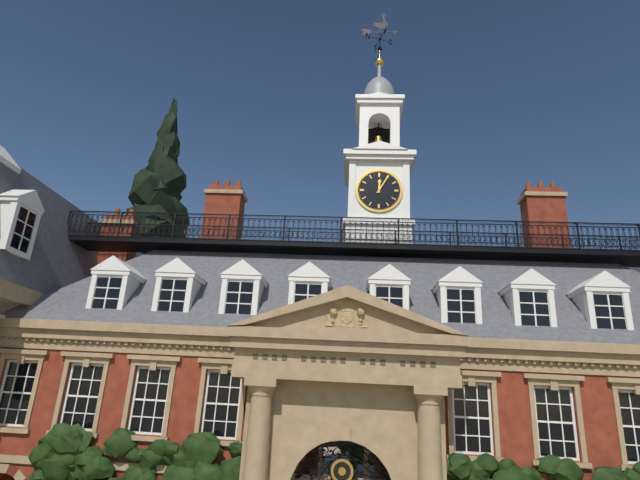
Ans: 12:05
